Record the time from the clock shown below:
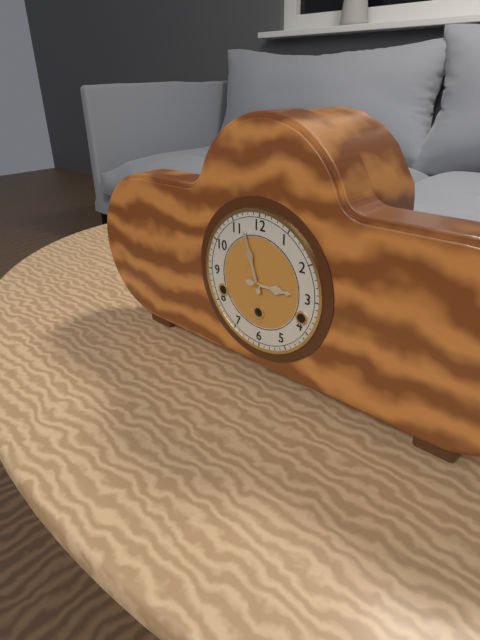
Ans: 2:57
